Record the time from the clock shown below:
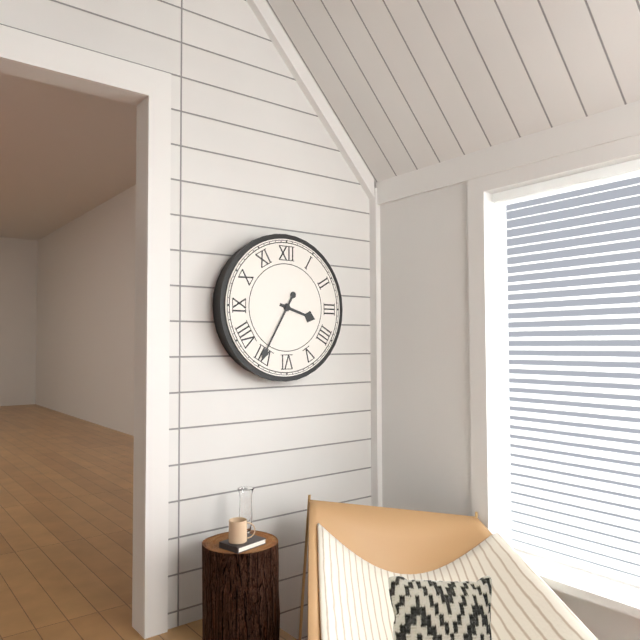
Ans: 3:35
